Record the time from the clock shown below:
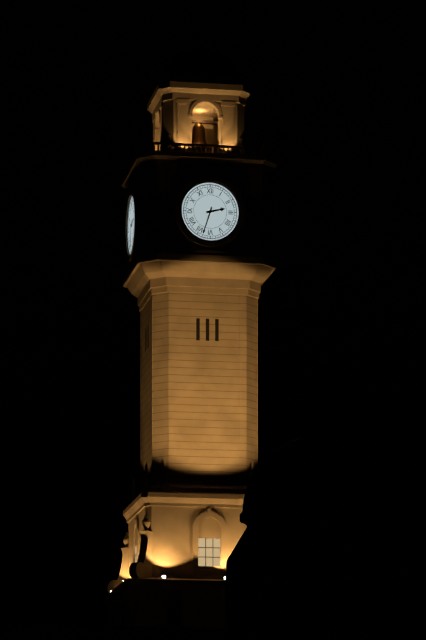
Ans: 2:33
